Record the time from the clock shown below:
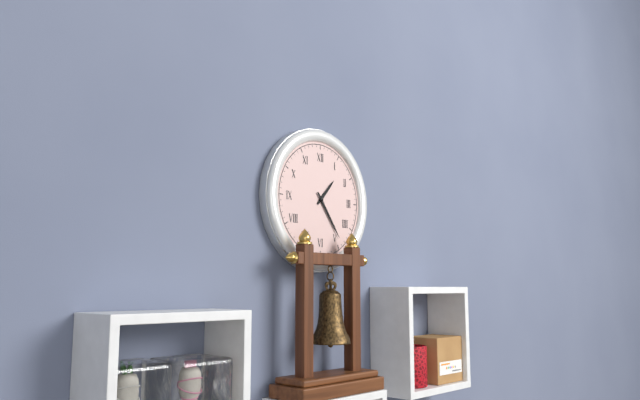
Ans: 1:24
